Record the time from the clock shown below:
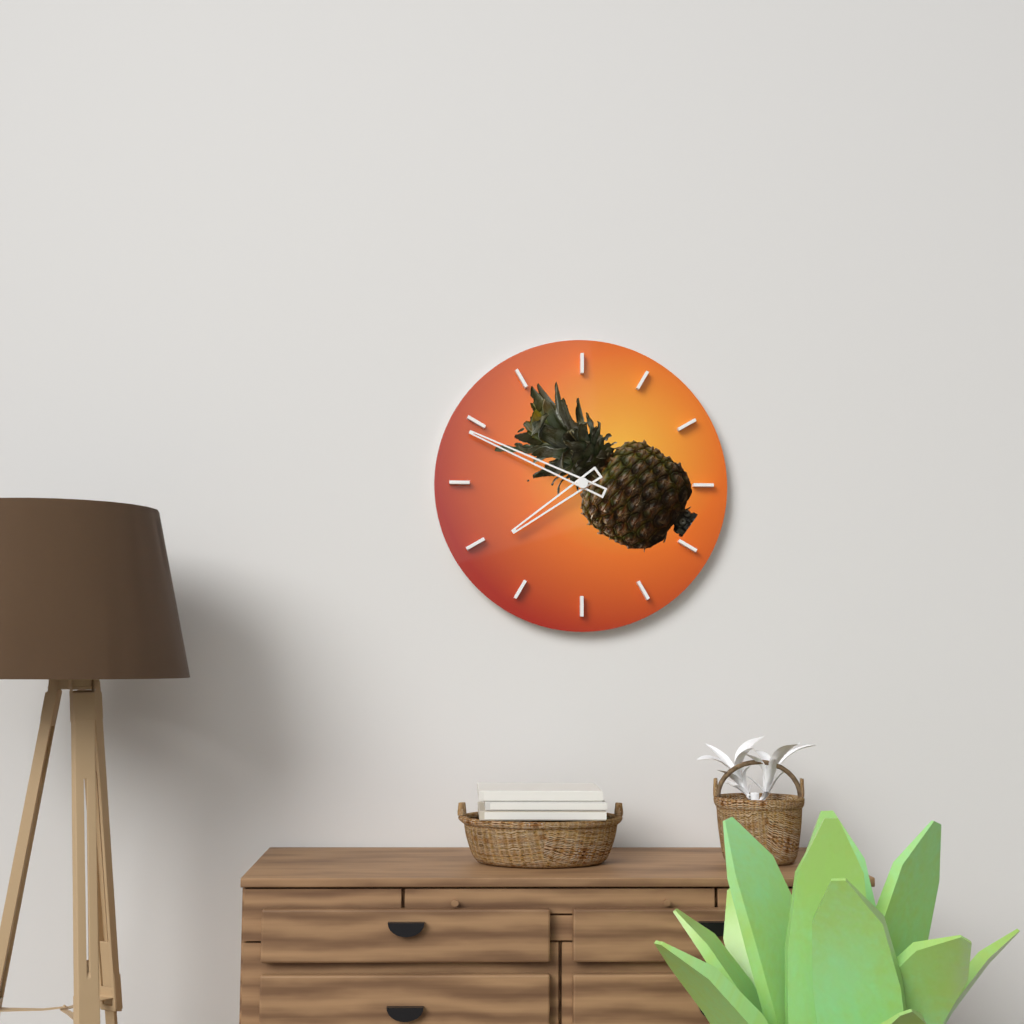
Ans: 7:49
